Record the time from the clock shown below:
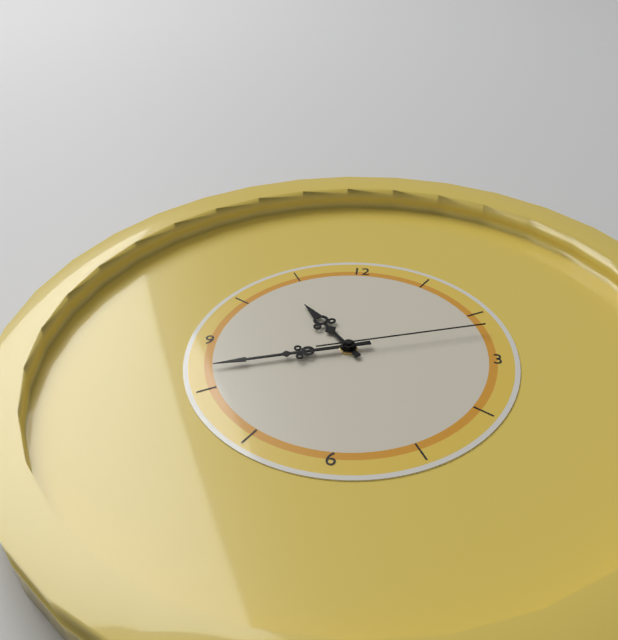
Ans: 10:42:12
